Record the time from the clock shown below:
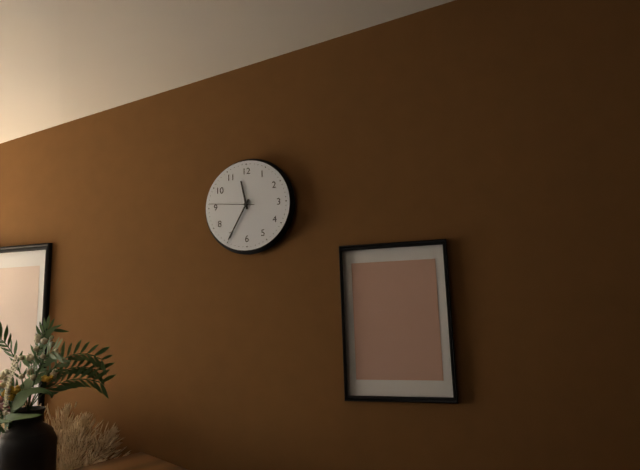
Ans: 11:35
